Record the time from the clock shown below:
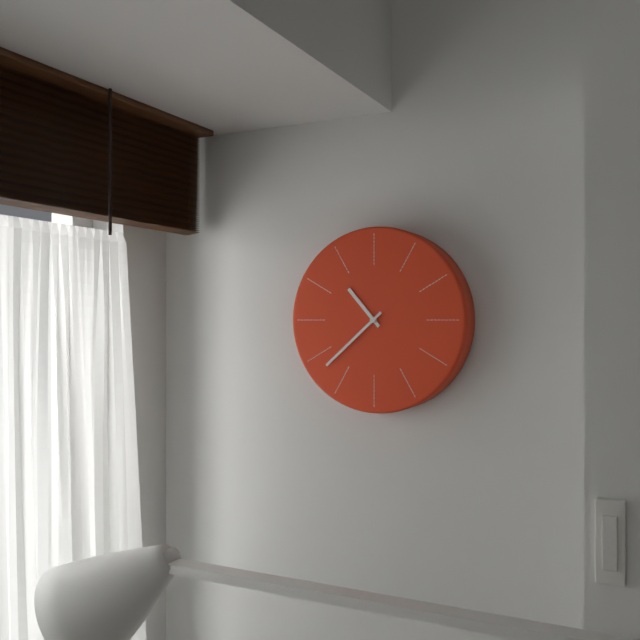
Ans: 10:38
